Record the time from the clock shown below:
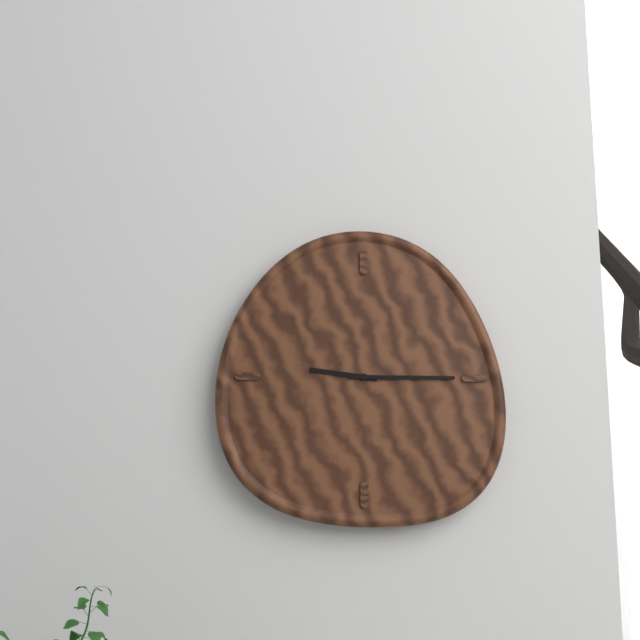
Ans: 9:15
